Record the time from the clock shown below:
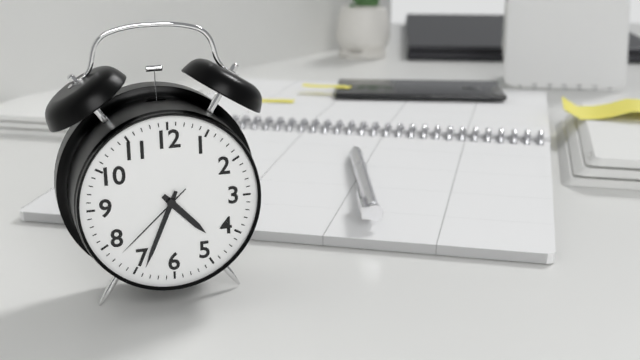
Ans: 4:34:38
